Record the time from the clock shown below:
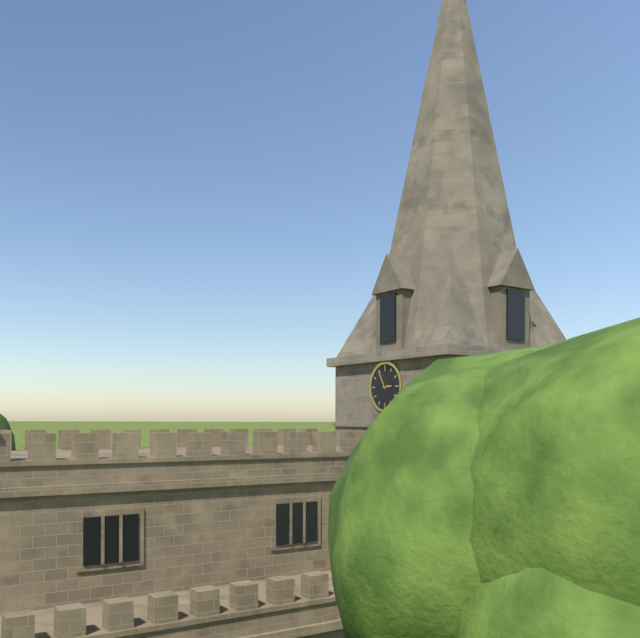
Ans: 2:55
